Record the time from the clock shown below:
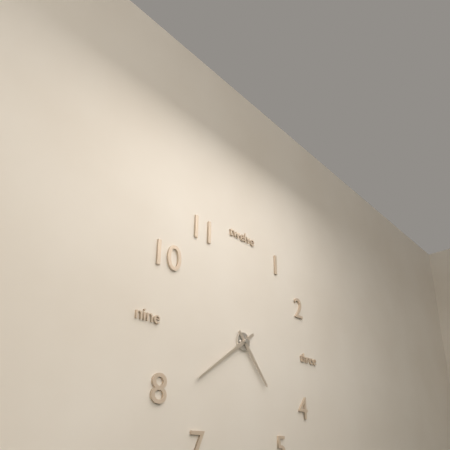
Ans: 4:39
